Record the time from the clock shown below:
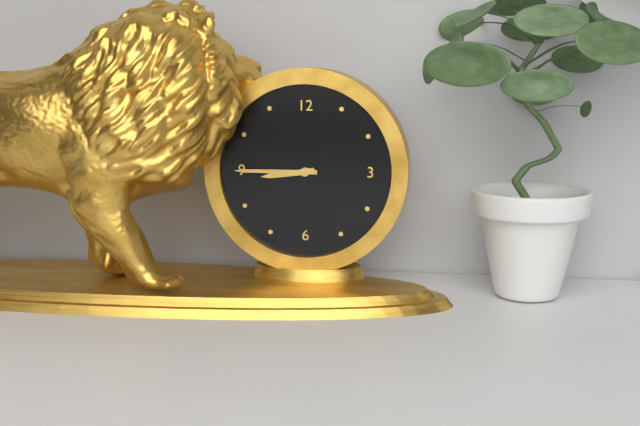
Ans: 8:45
